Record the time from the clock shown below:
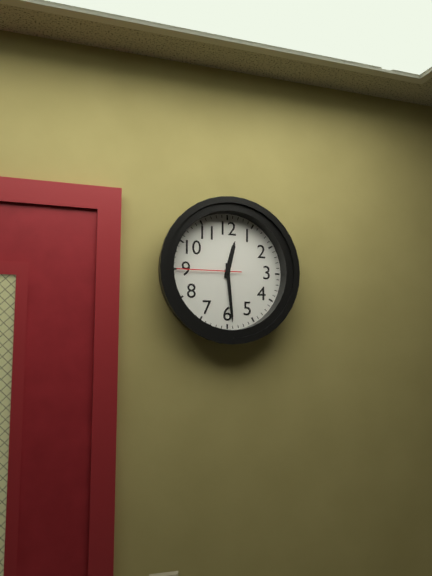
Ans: 12:29:45
